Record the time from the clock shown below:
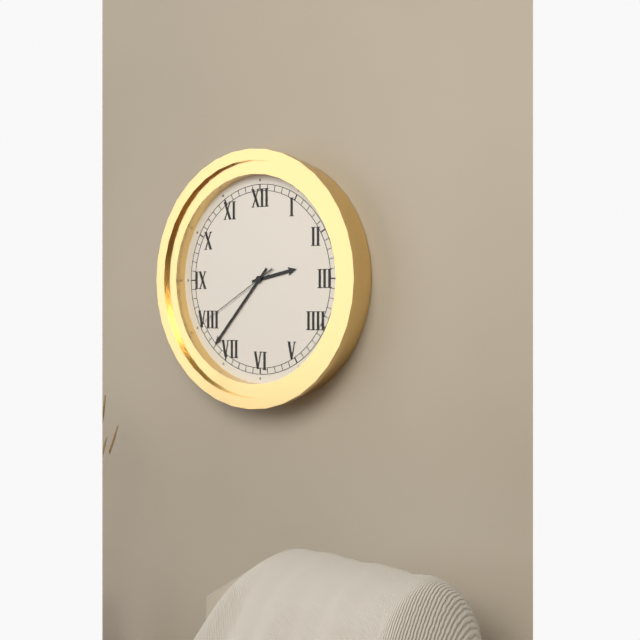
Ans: 2:37:40
